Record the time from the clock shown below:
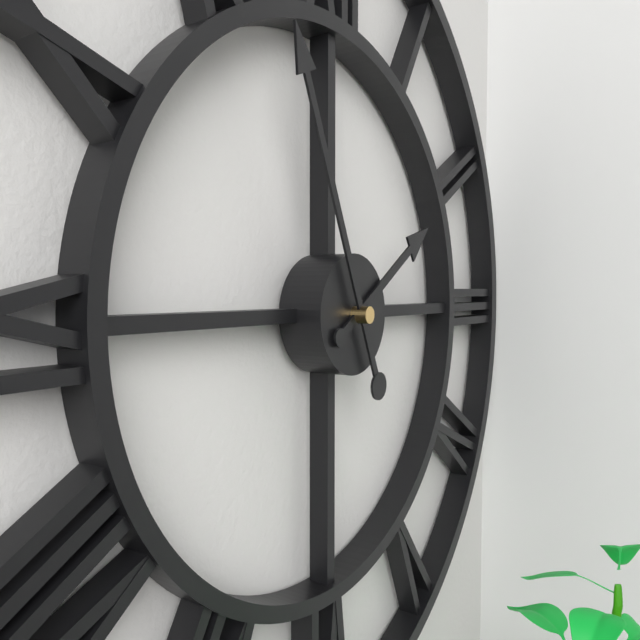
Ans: 1:56
